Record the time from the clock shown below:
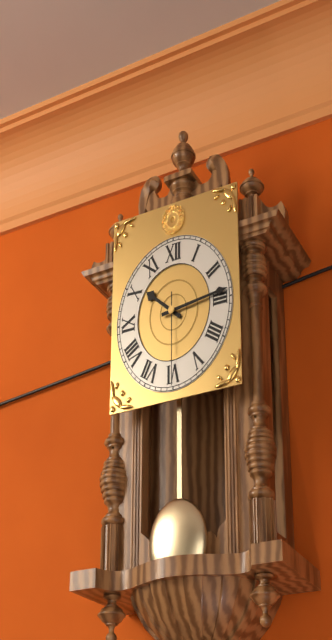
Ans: 10:14:30
